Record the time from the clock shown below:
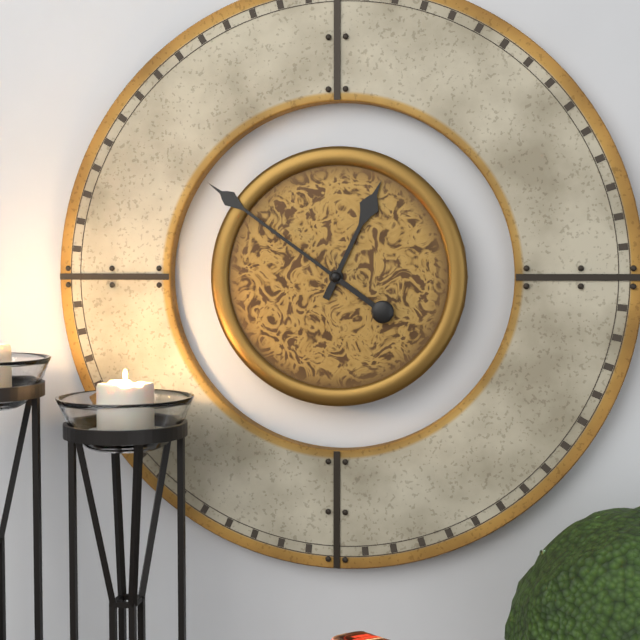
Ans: 12:51
